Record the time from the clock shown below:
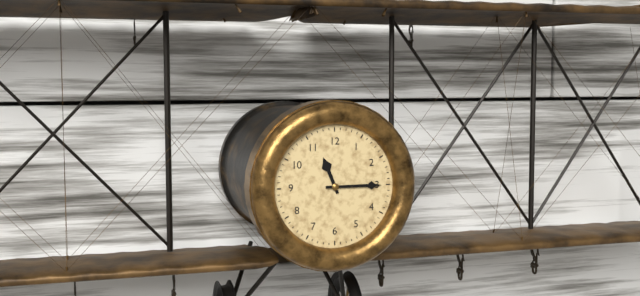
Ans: 11:15
